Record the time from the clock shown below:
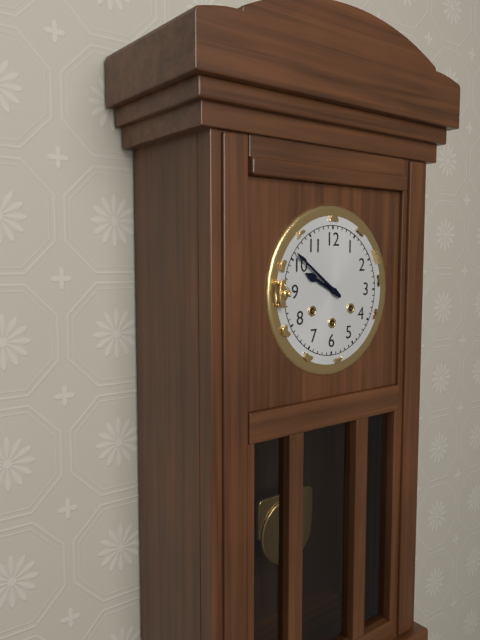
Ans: 9:51
